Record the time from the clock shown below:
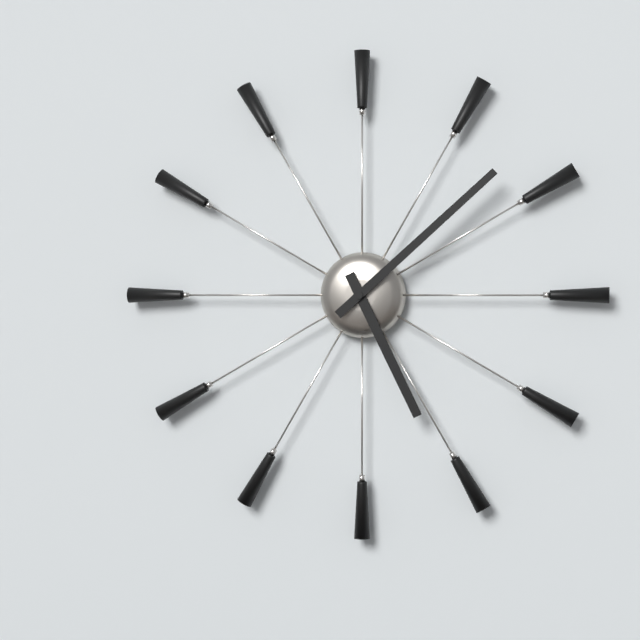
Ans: 5:08
